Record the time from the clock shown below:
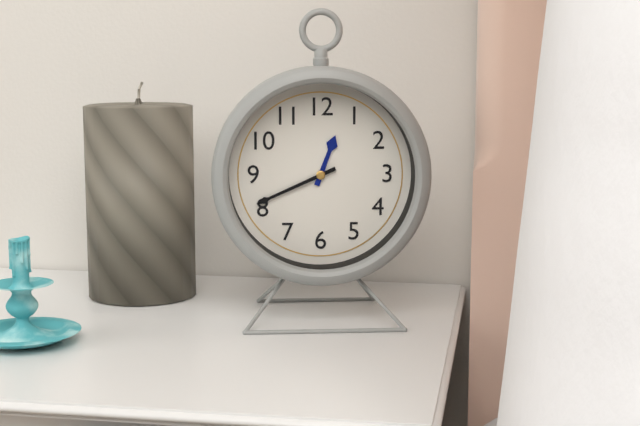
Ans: 12:41
